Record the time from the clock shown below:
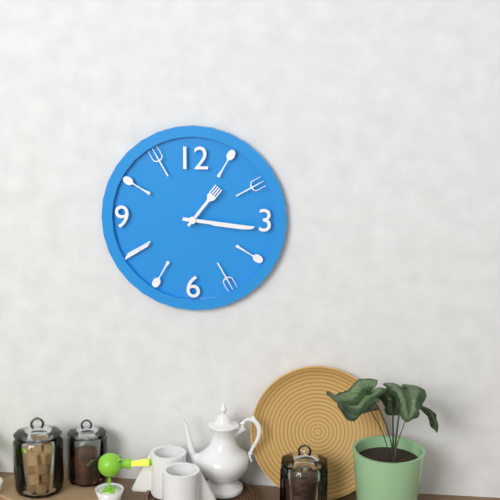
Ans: 1:16
